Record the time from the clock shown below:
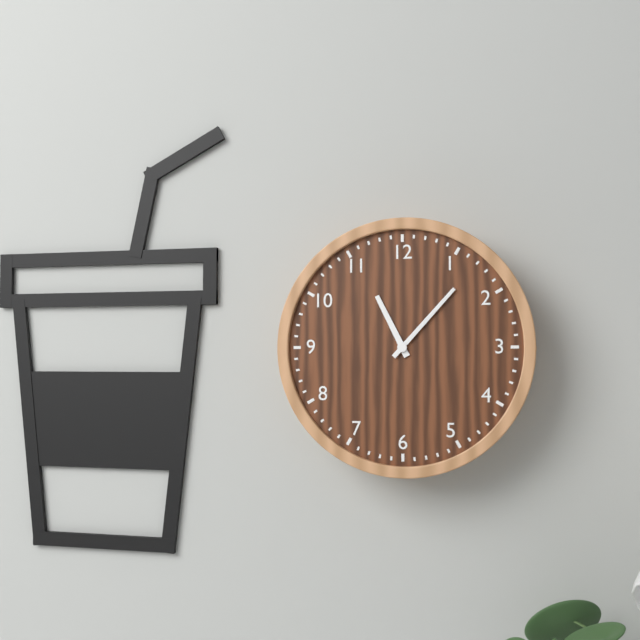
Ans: 11:07
